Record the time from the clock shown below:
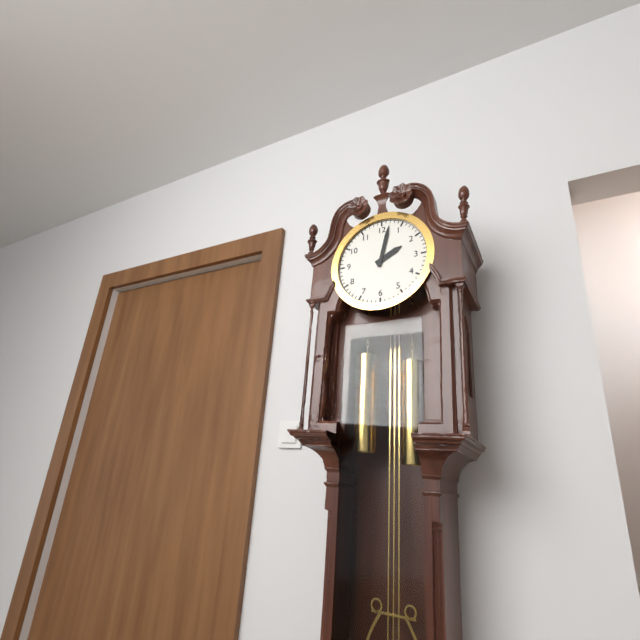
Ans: 2:02
